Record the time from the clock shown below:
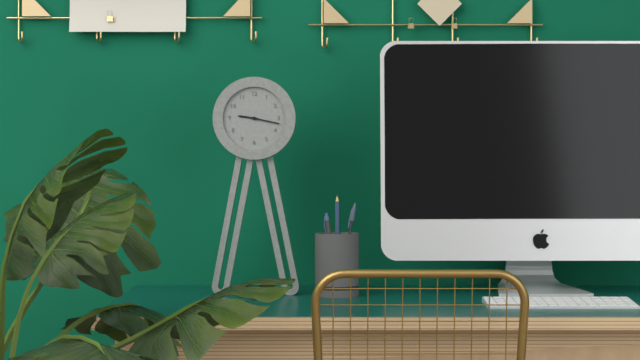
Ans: 9:17
